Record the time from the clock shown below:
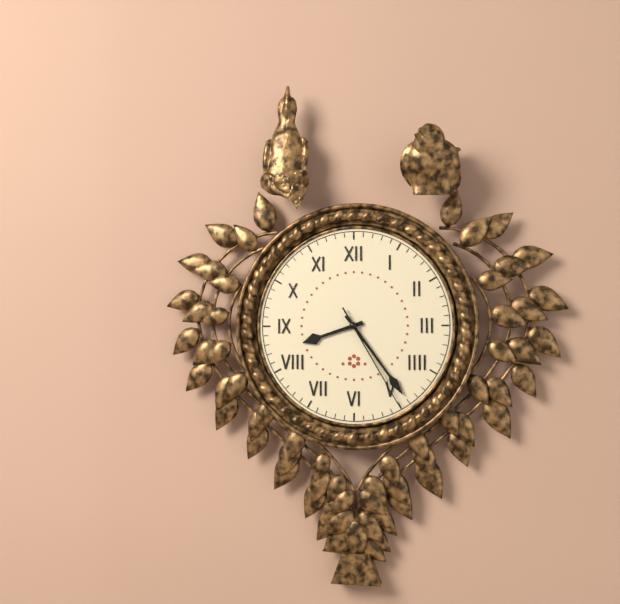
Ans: 8:24:25
